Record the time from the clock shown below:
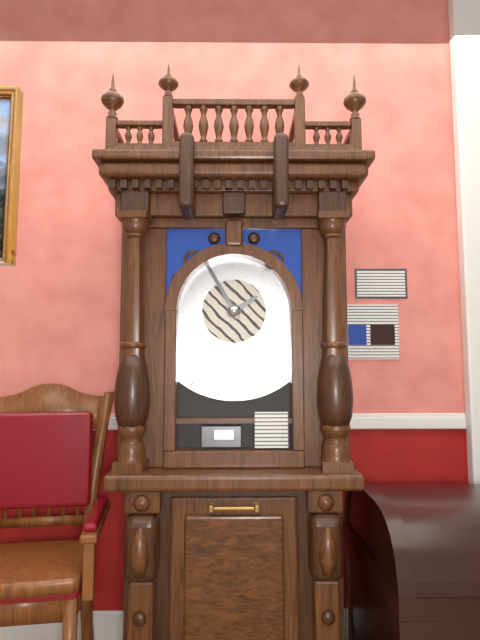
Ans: 1:55
